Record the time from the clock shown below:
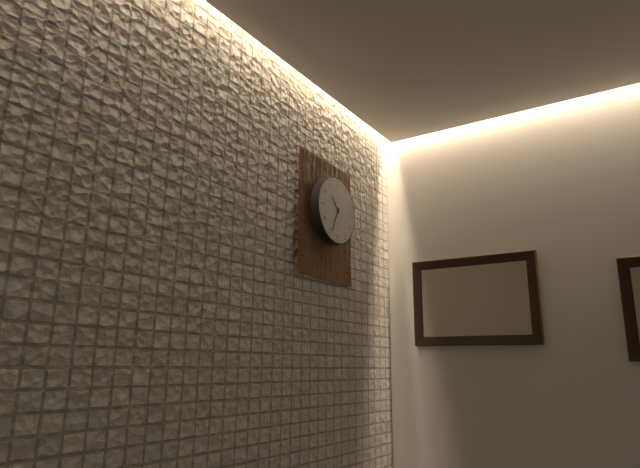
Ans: 10:34
